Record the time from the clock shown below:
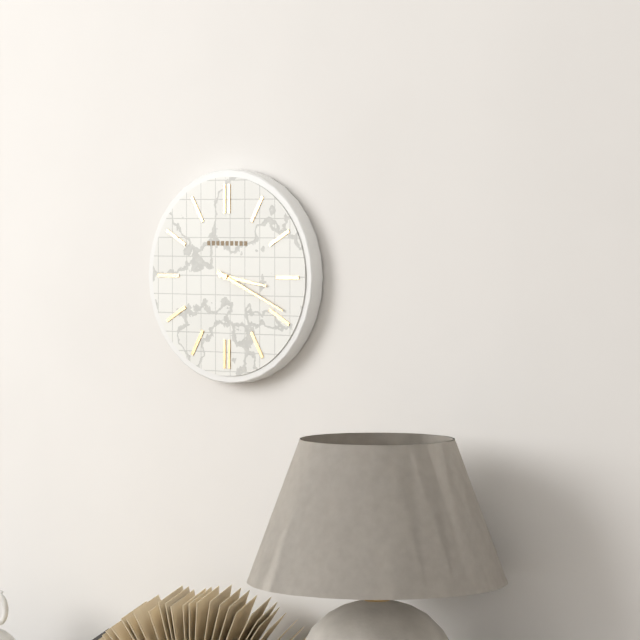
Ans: 3:19
